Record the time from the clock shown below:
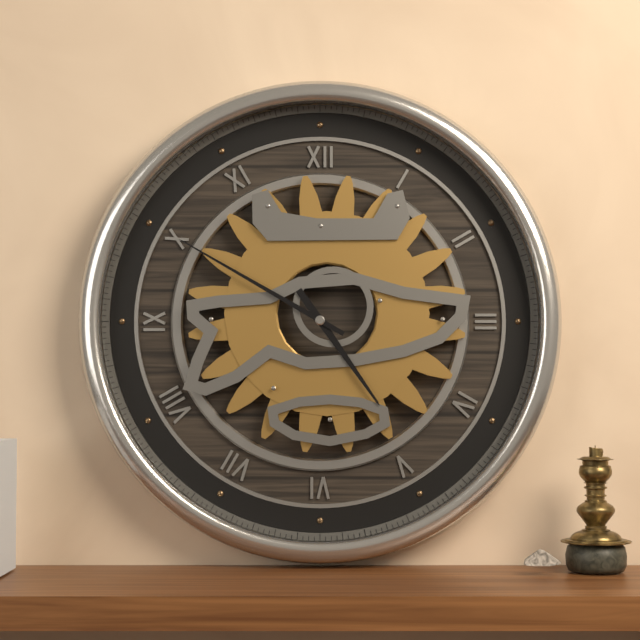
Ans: 4:50
